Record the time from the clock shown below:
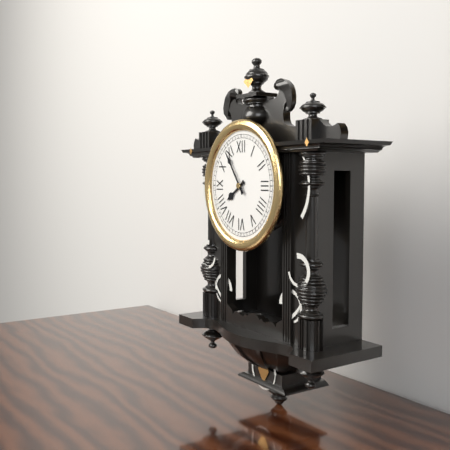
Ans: 7:54
